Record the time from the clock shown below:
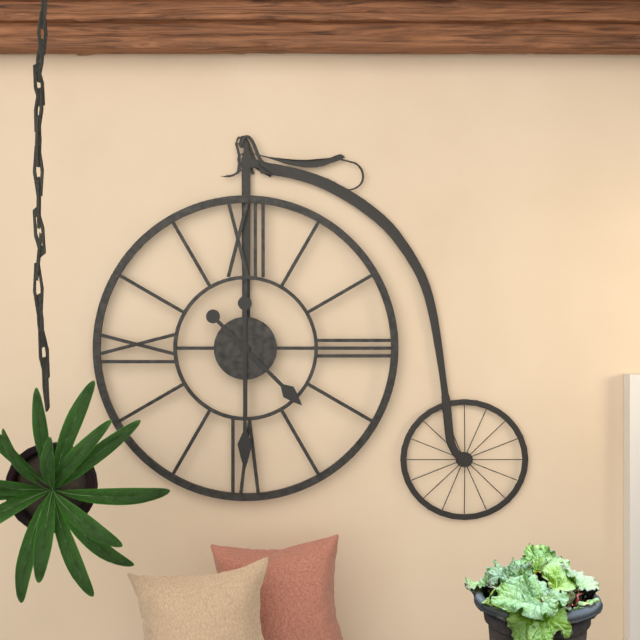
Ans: 4:30
